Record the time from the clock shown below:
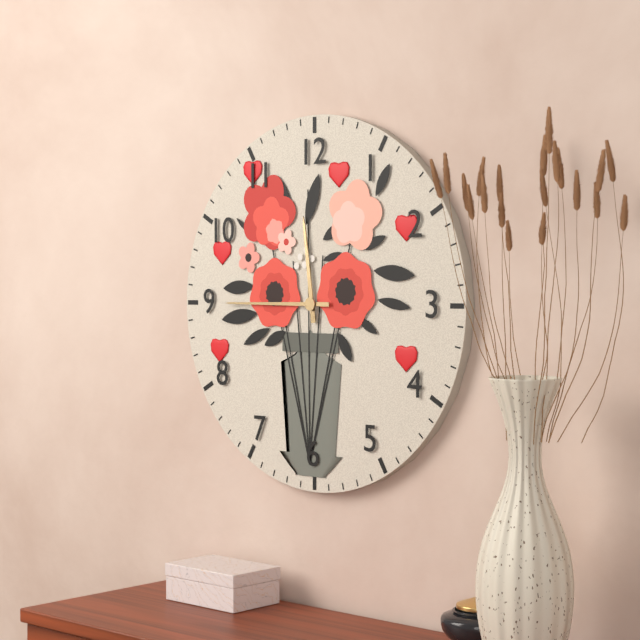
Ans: 11:45
